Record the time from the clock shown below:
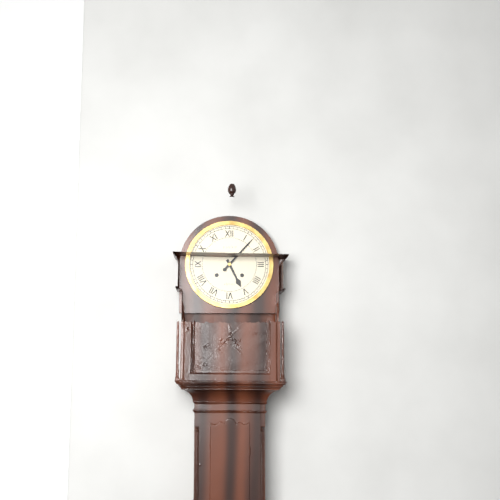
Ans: 5:07
